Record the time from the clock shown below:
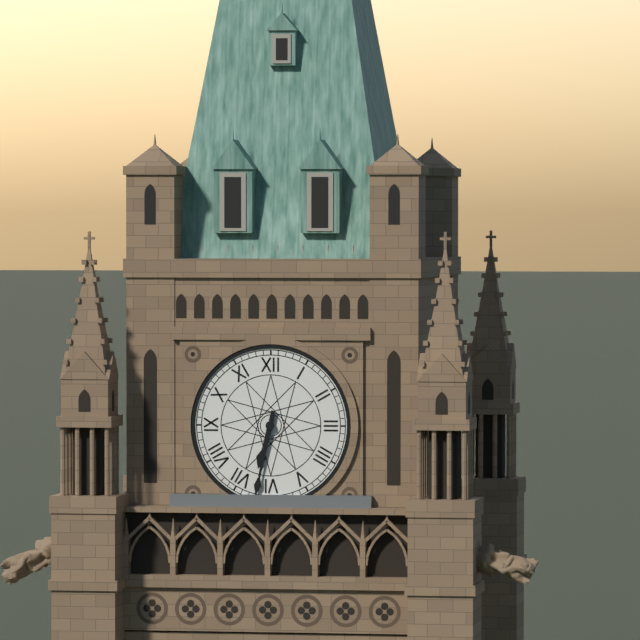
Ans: 6:32
